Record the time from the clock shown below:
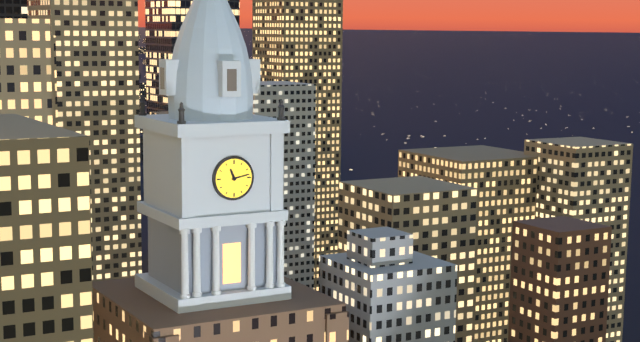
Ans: 11:13
